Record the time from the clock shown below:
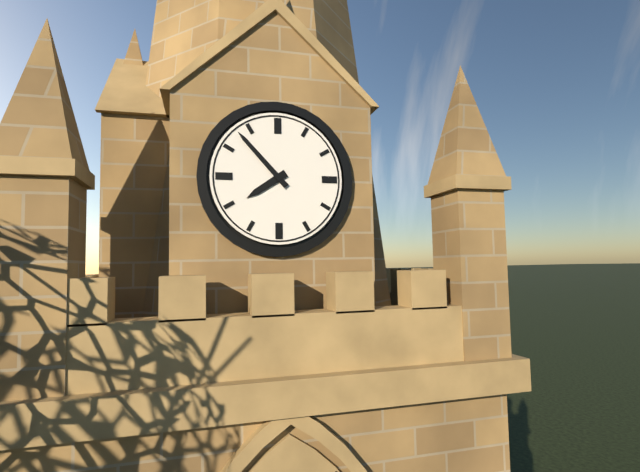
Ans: 7:53
